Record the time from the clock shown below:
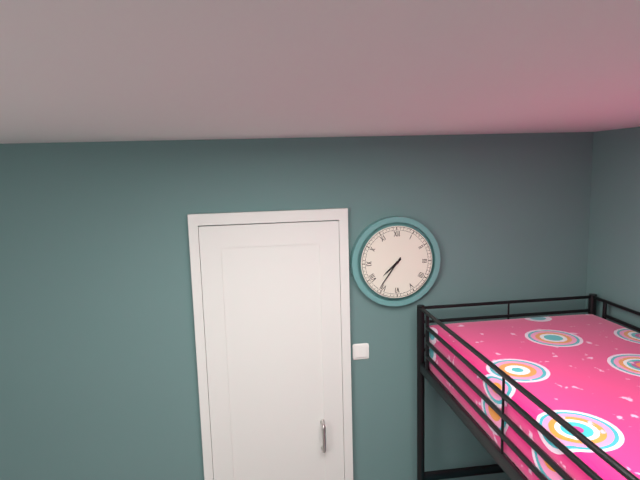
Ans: 7:36
